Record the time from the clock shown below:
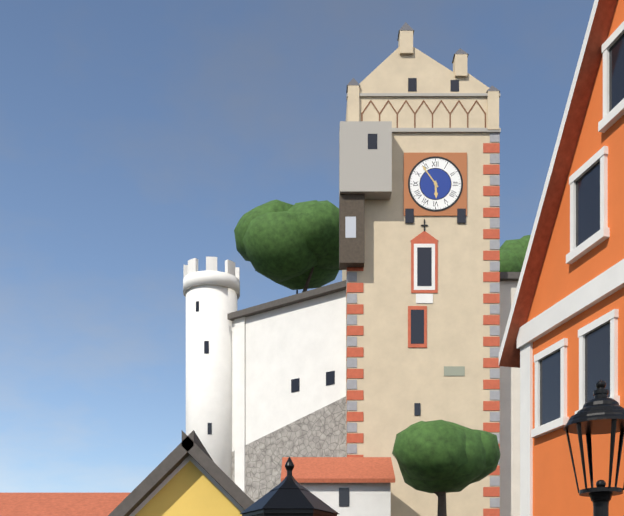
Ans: 5:54
